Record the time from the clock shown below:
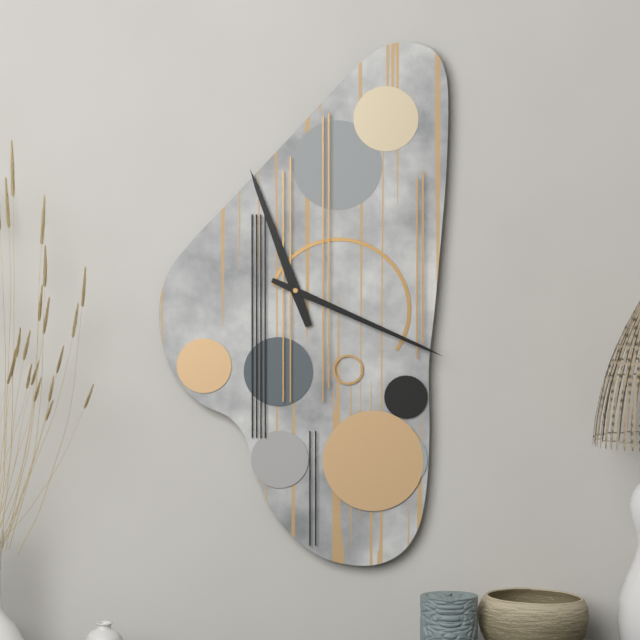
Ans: 11:19
